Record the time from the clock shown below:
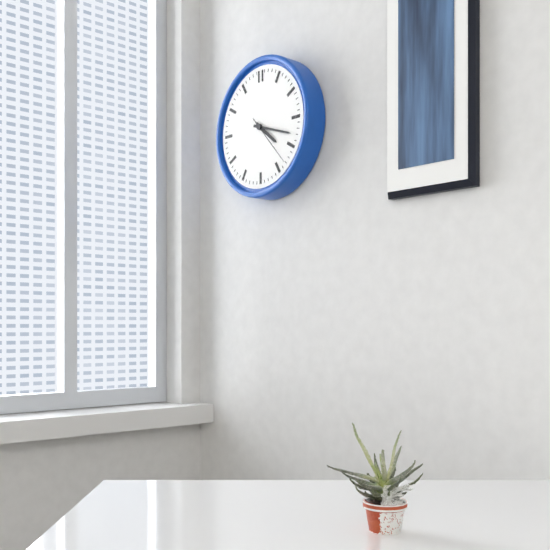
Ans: 4:18:23
